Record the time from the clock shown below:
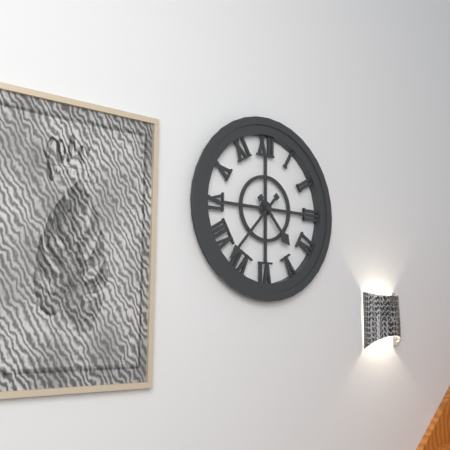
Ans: 4:37
